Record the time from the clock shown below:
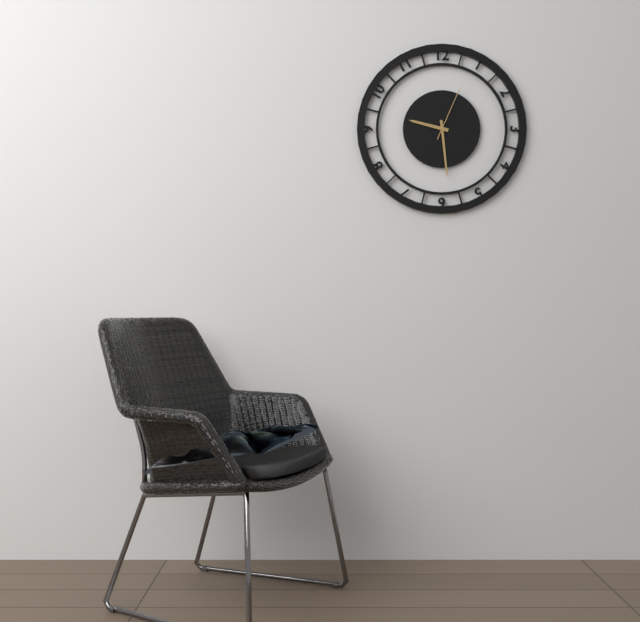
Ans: 9:29:04
